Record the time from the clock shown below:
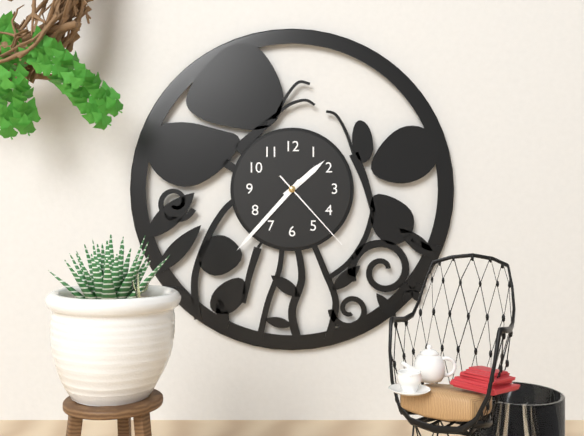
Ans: 1:37:23
